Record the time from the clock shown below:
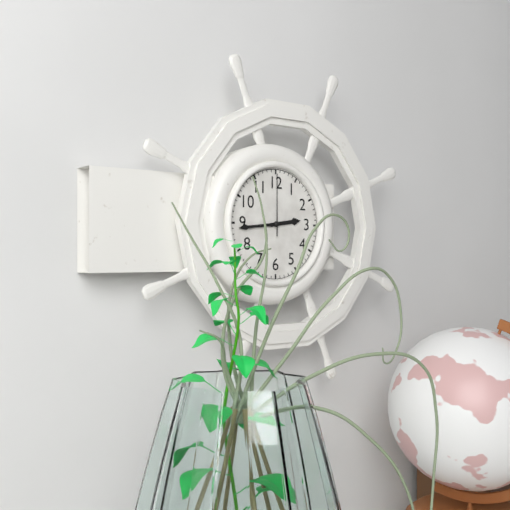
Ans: 2:44:00
